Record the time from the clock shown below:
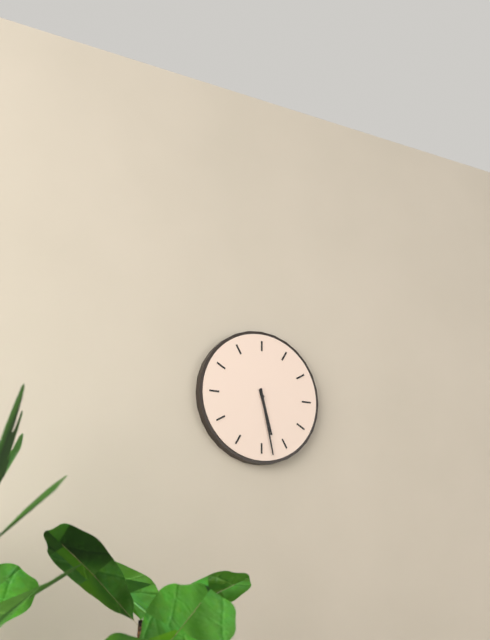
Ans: 5:28
